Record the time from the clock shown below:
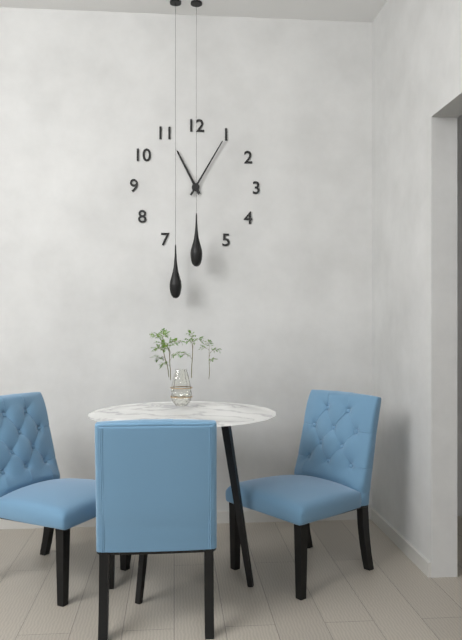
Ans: 11:05
